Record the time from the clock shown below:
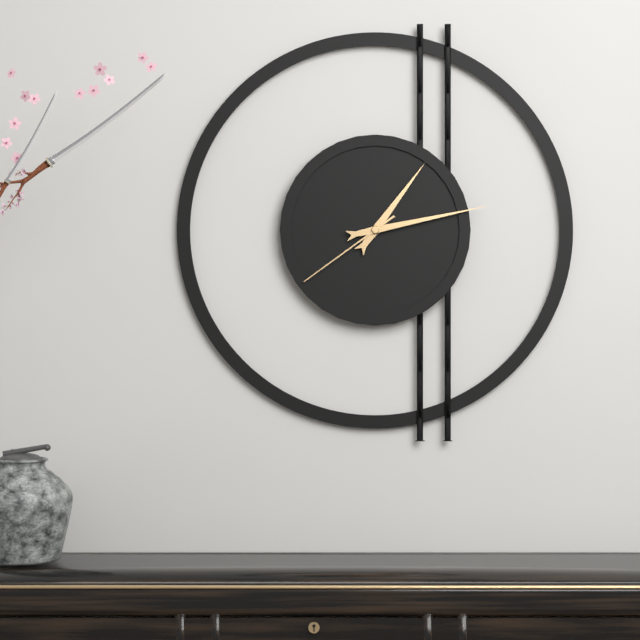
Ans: 1:13:39
